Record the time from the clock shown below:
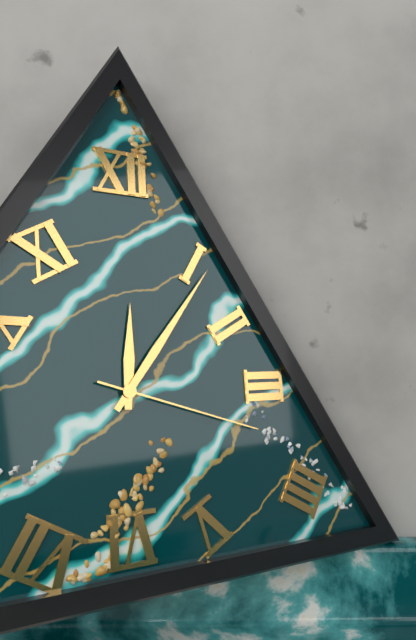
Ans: 12:06:18
